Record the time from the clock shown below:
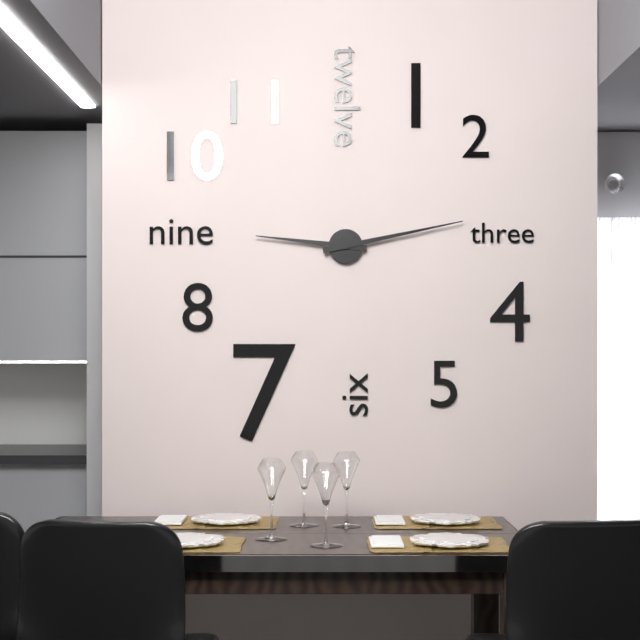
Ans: 9:13
